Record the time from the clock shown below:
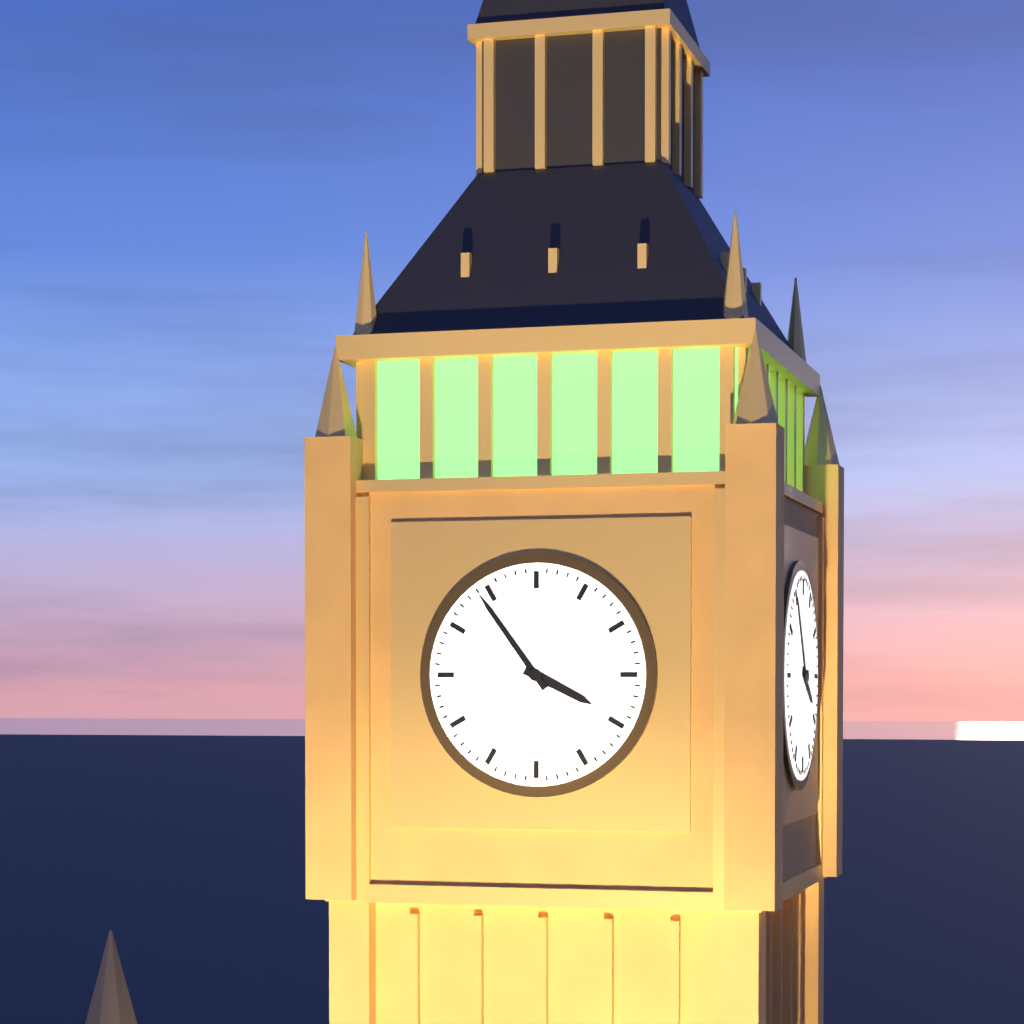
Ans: 3:54
